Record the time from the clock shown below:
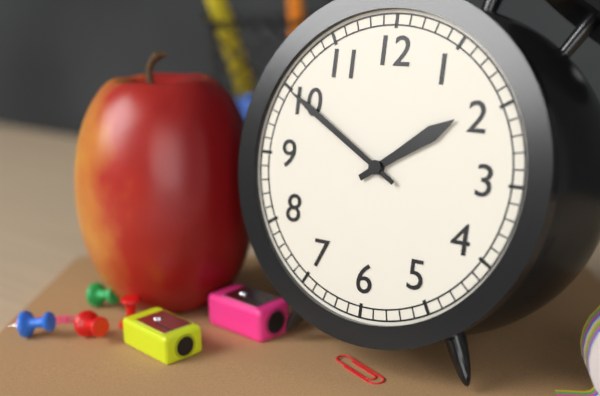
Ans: 1:50
